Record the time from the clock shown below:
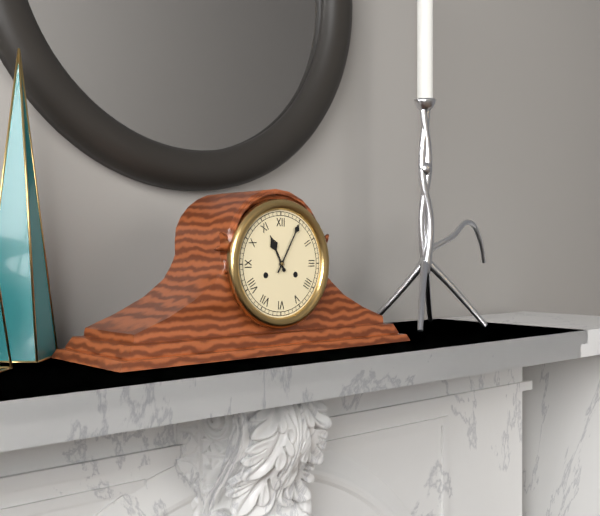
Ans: 11:05
